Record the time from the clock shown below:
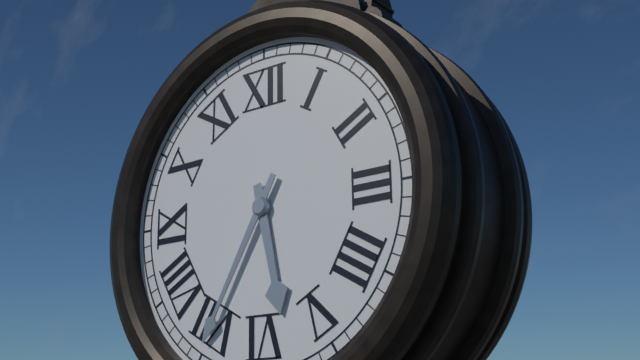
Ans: 5:35
